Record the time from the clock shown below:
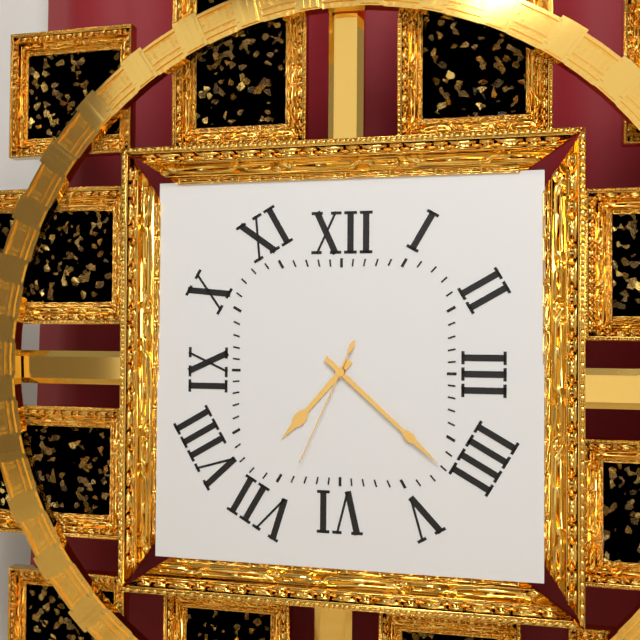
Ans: 7:22:34
